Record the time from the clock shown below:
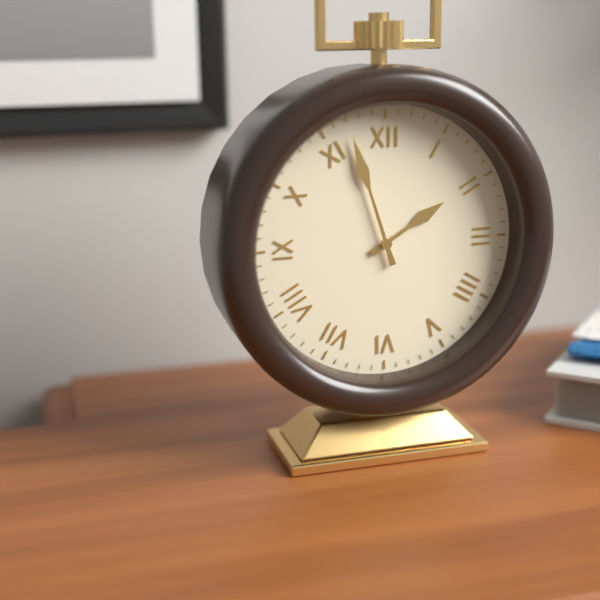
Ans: 1:57
